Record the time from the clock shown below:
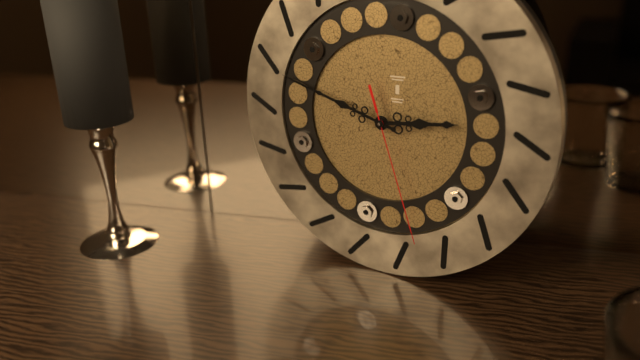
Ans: 2:48:27
